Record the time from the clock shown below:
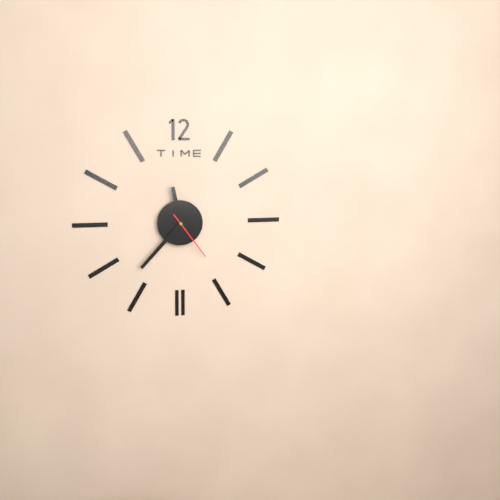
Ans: 11:37:24
